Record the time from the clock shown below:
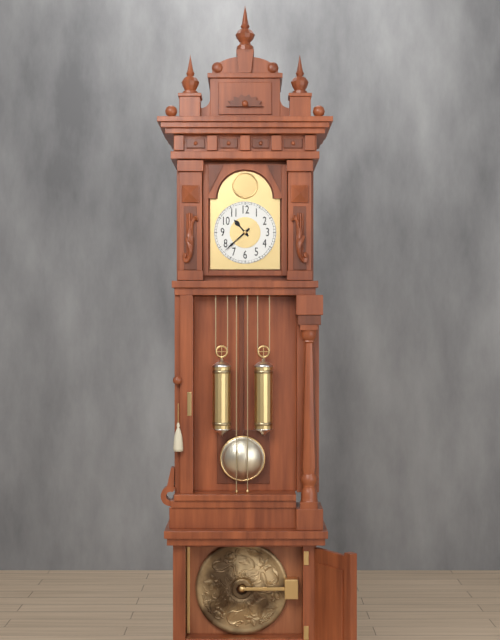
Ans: 10:38
